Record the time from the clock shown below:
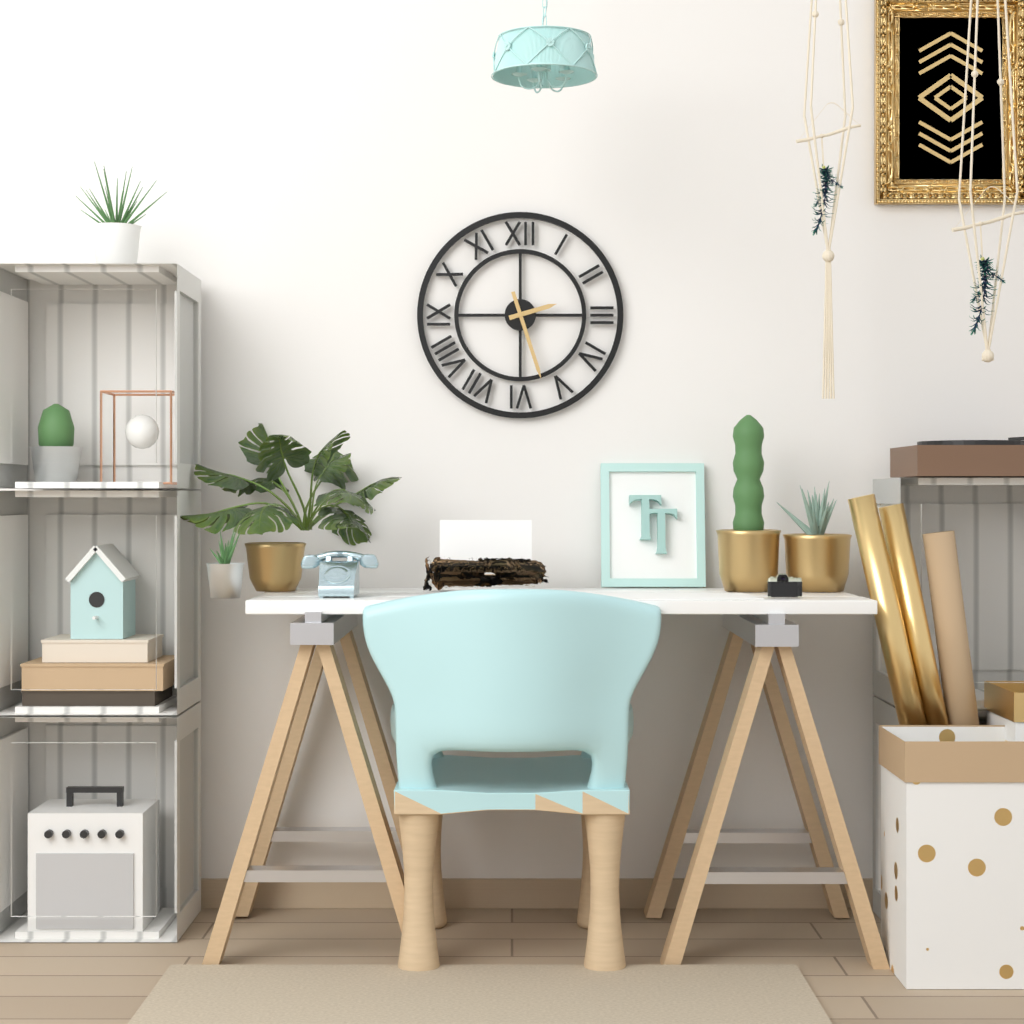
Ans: 2:27
